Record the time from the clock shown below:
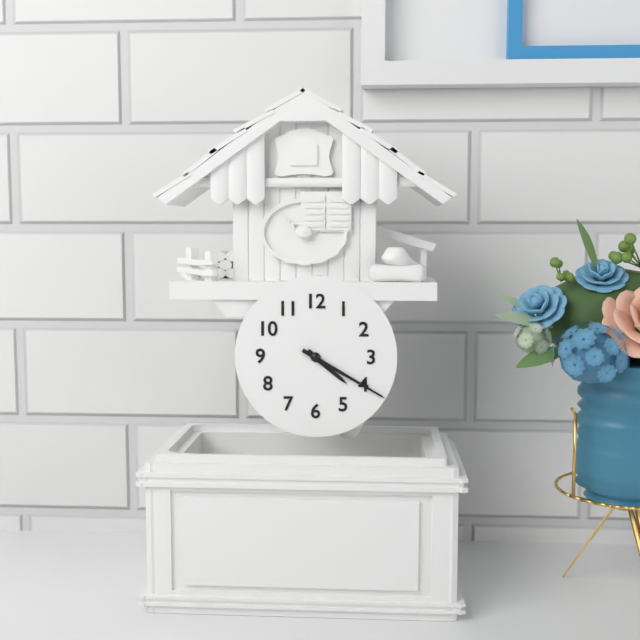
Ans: 4:20
